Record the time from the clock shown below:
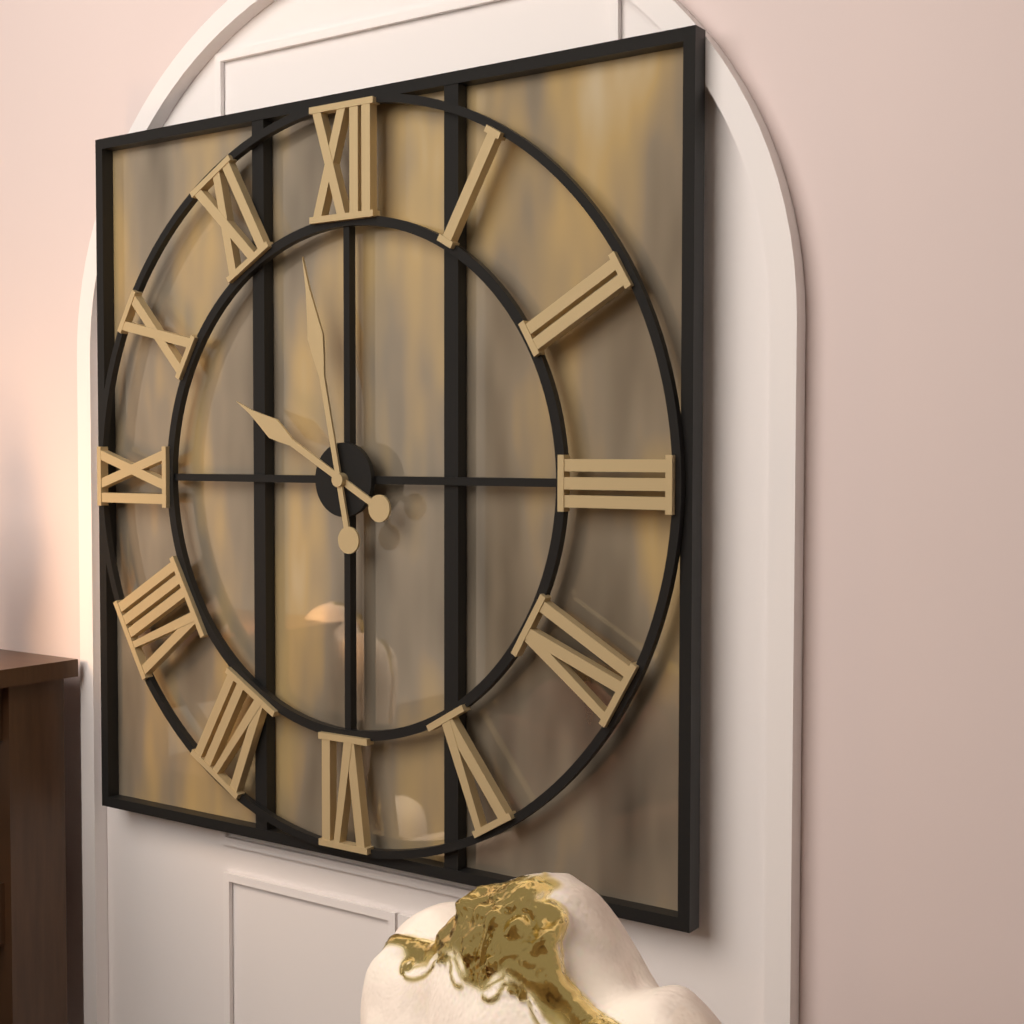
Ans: 9:58
